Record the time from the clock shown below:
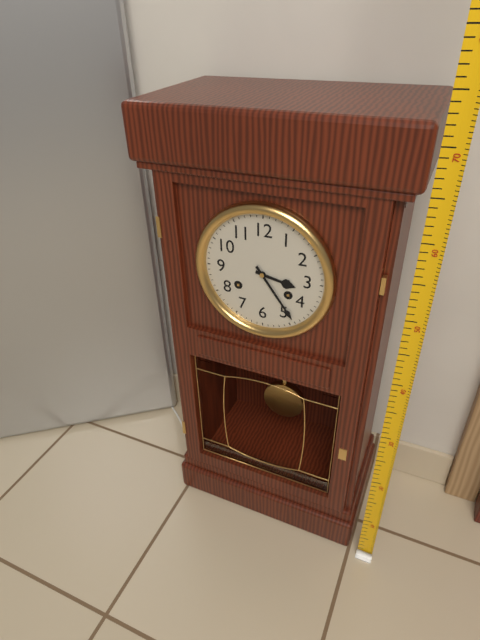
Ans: 3:24
